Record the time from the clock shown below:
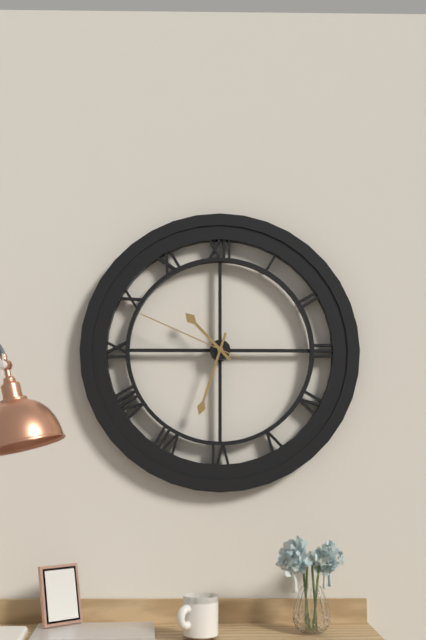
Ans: 10:33:49
